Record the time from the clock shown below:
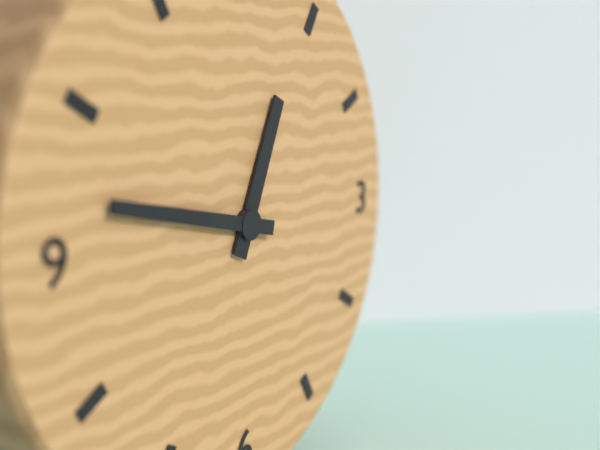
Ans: 12:47
